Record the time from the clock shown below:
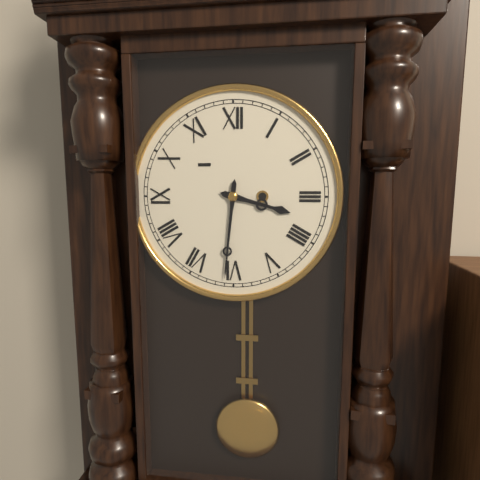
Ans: 3:31
